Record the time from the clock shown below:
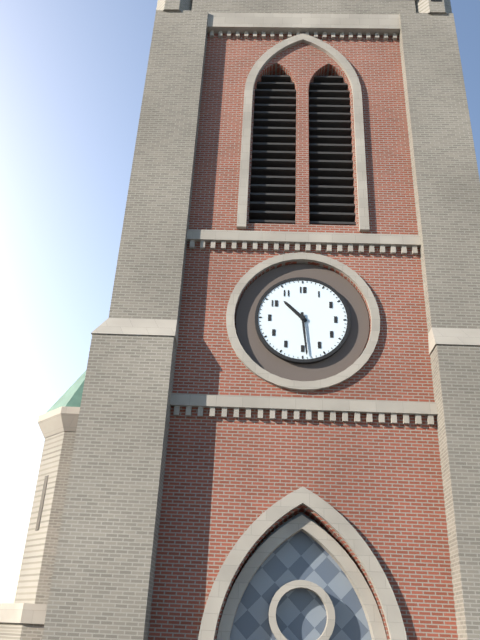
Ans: 10:29
